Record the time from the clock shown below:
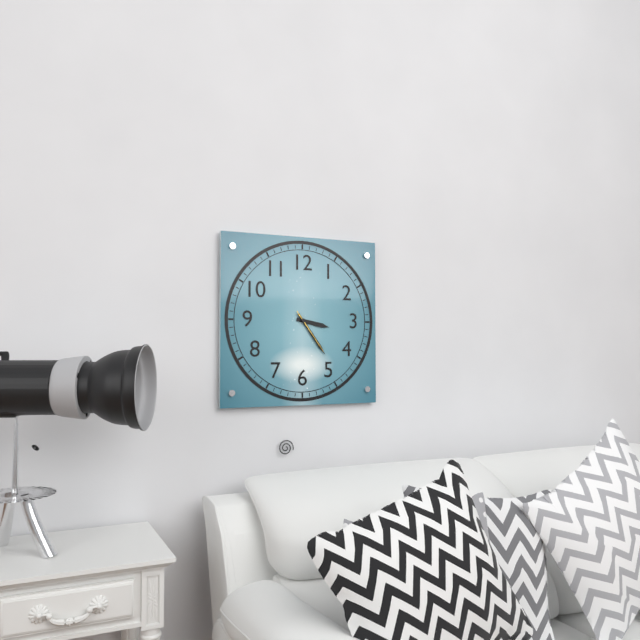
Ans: 3:24
